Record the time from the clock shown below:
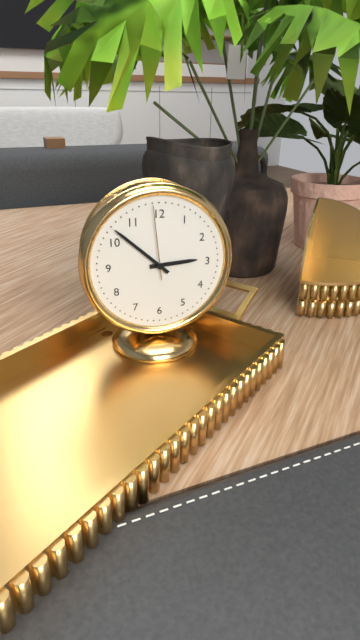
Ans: 2:52:59
